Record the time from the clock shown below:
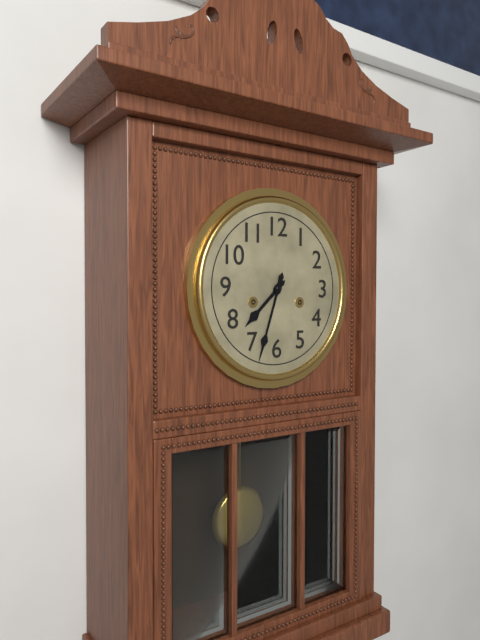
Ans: 7:33
